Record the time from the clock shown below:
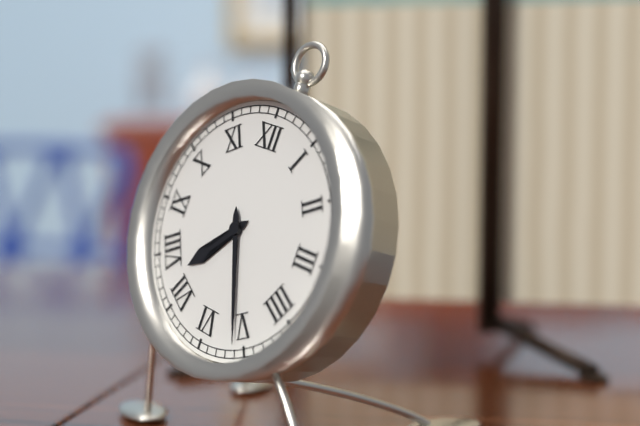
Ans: 7:26
